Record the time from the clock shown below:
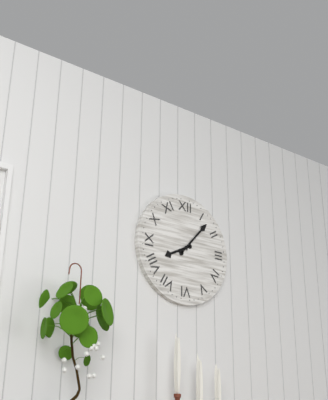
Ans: 8:07
